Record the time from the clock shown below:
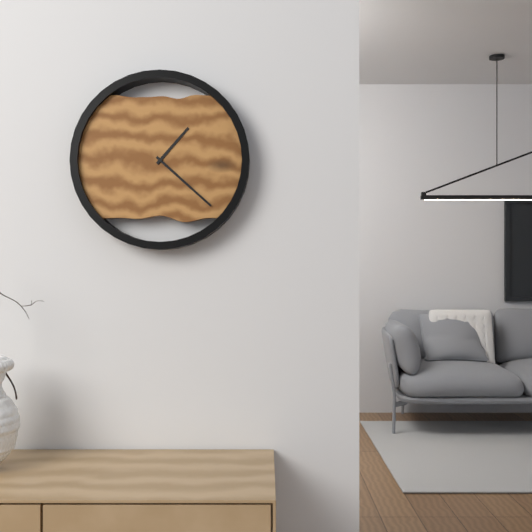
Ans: 1:22
